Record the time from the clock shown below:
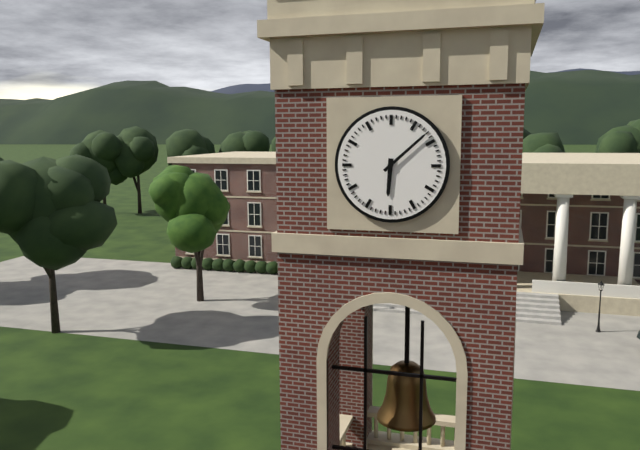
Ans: 6:08
